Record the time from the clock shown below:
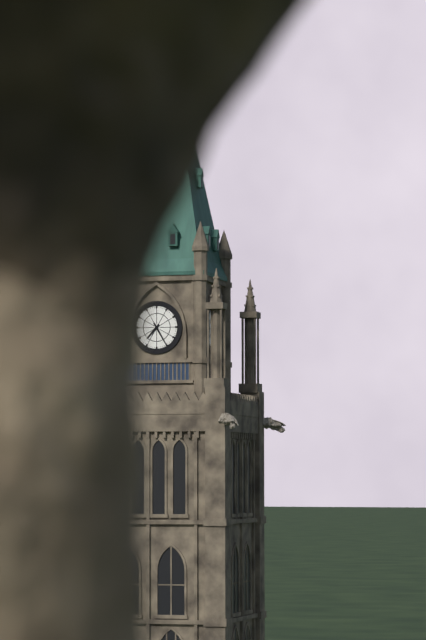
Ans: 7:25
